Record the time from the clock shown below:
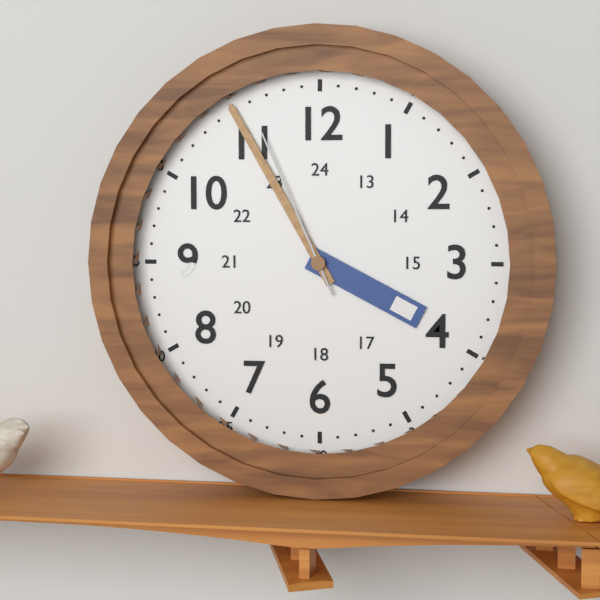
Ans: 3:55:56
